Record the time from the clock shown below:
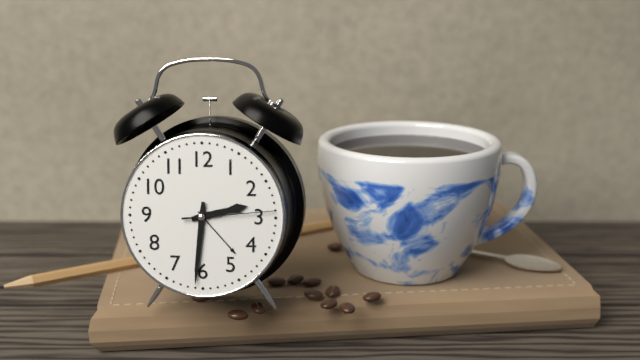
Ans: 2:31:14
